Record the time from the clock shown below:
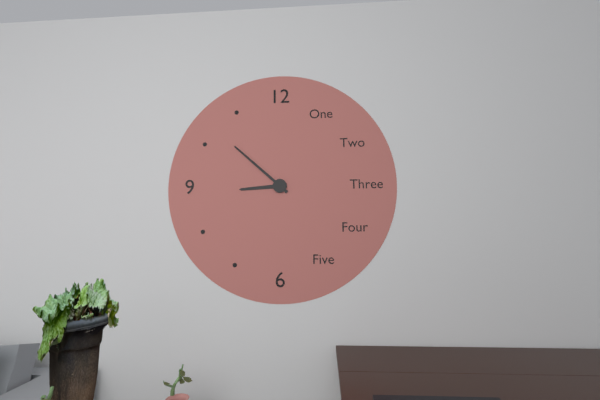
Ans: 8:52
